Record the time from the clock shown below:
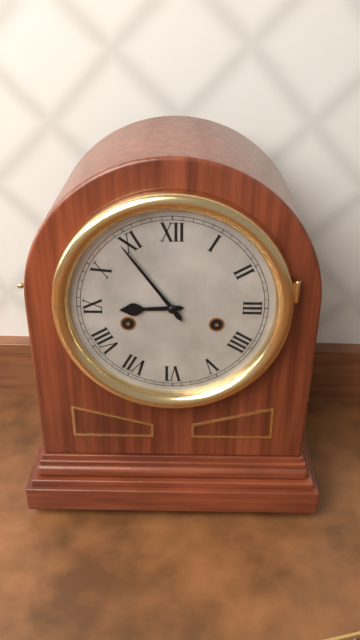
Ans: 8:54
